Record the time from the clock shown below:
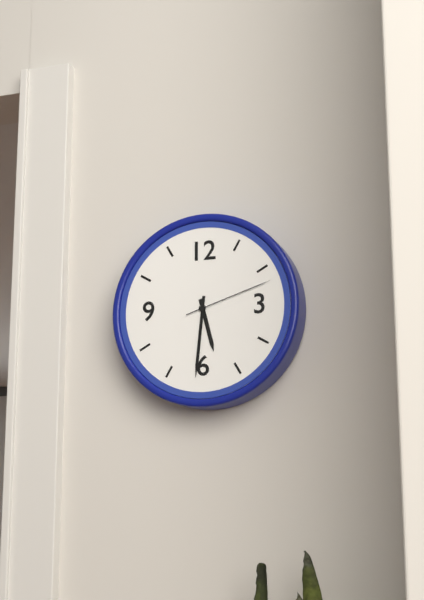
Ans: 5:31:12
